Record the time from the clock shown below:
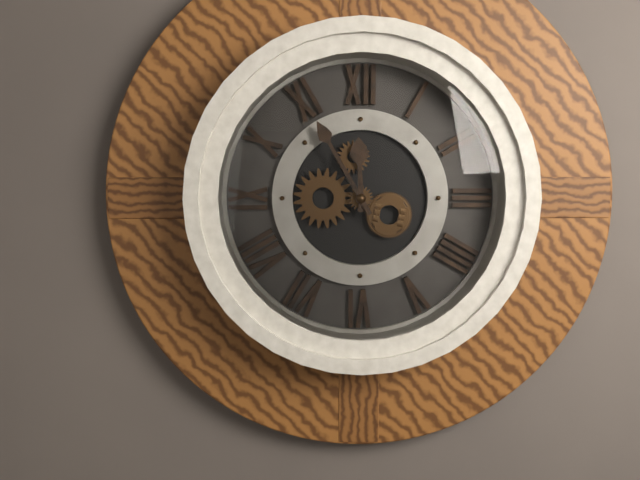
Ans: 11:55
